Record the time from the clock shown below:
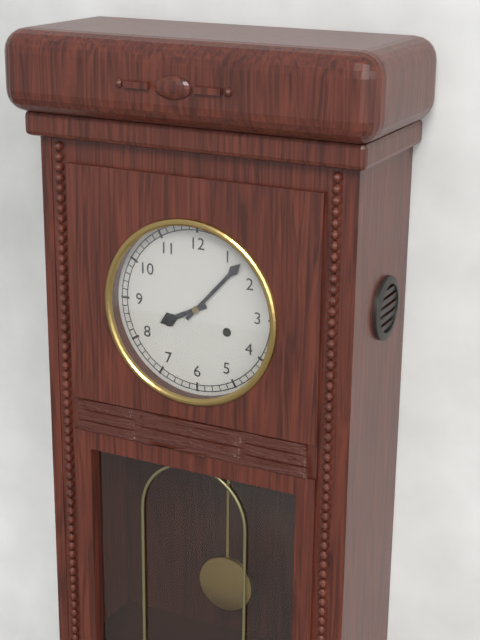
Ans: 8:07
